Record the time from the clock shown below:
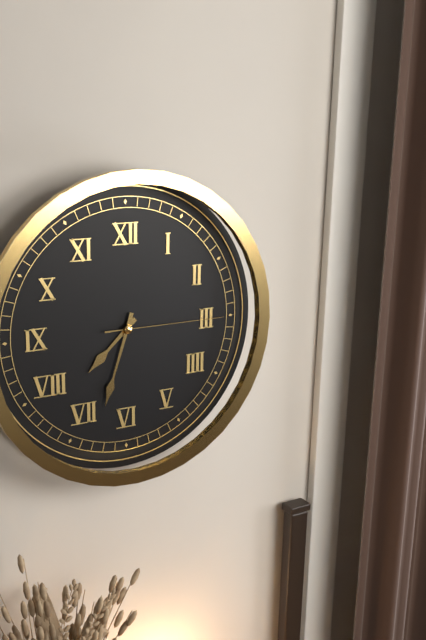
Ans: 7:33:15
